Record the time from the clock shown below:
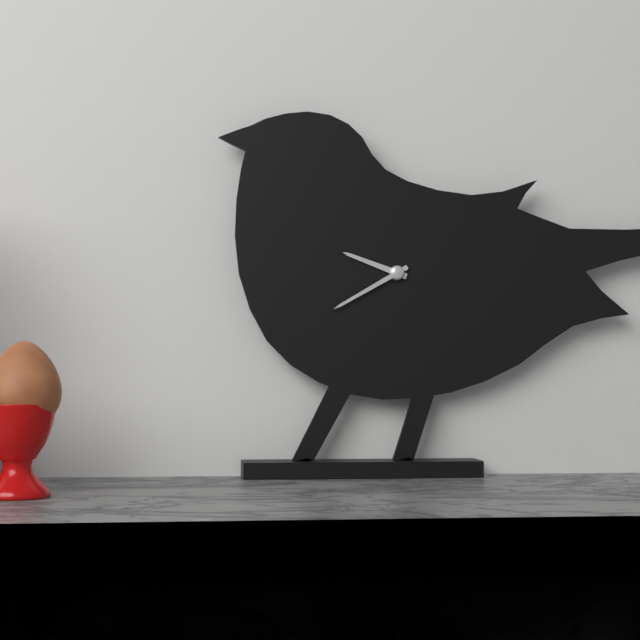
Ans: 9:40
